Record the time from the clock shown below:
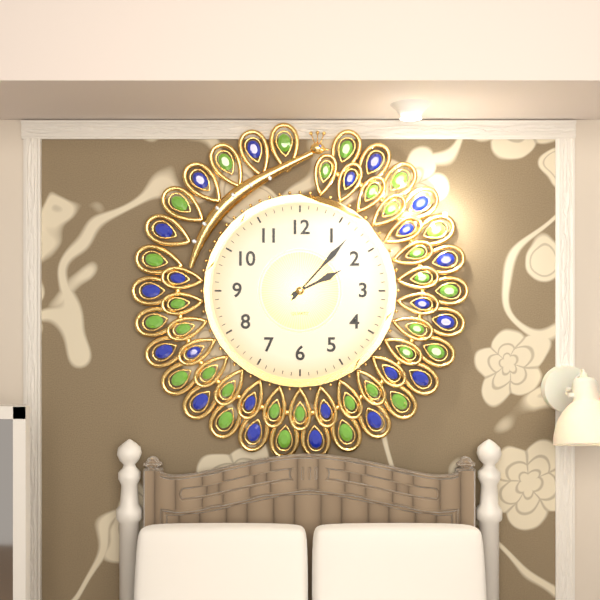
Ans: 2:07
